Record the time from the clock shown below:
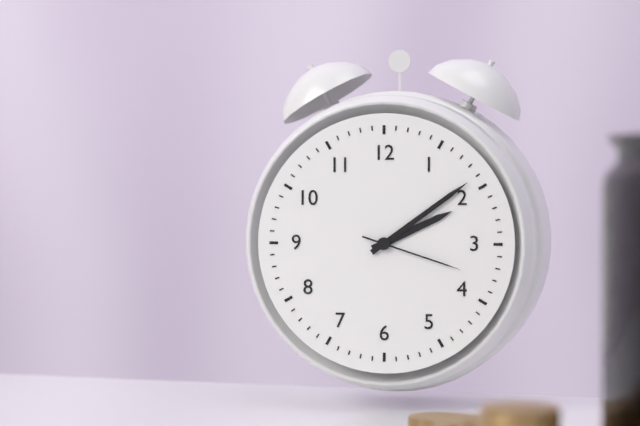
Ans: 2:09:18
